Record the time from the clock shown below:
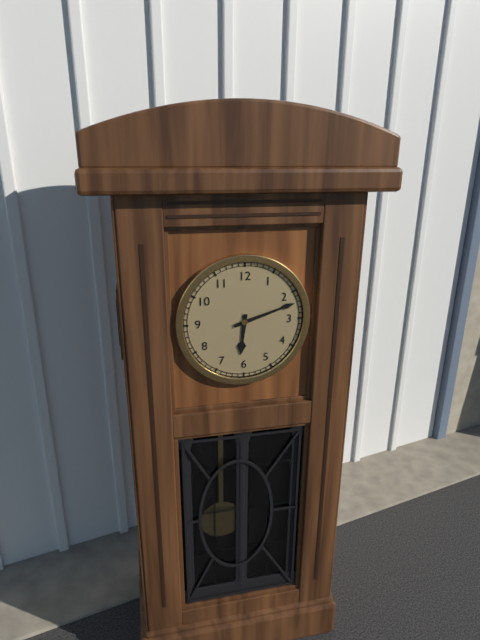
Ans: 6:12
